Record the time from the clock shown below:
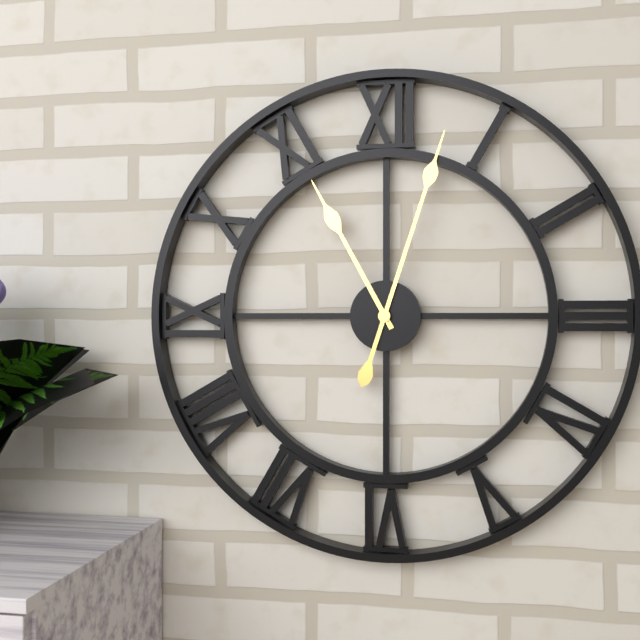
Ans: 11:03
